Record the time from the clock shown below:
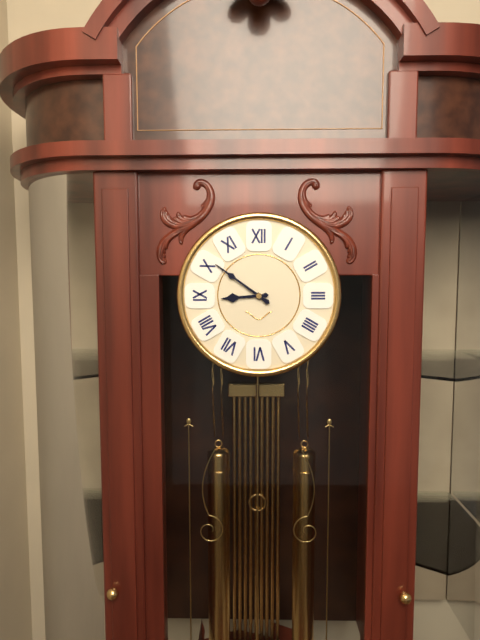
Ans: 8:51
